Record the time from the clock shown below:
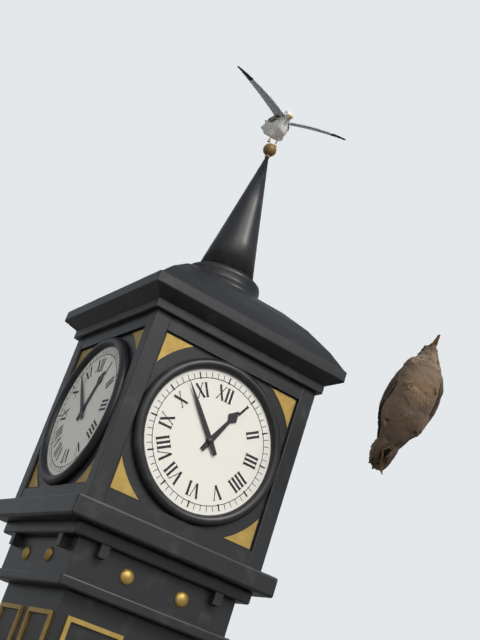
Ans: 12:53
